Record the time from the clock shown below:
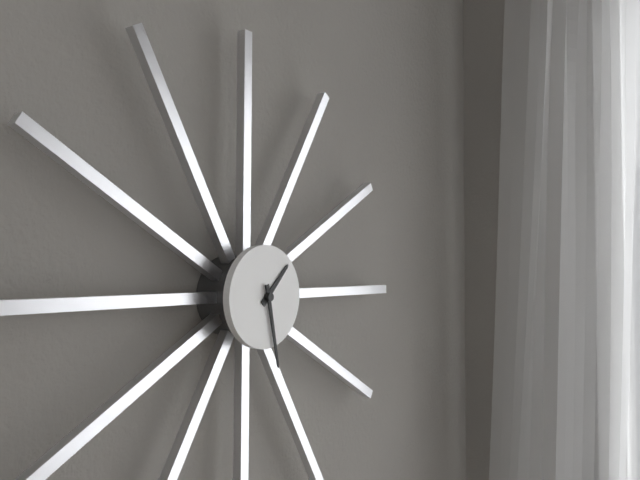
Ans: 1:28
